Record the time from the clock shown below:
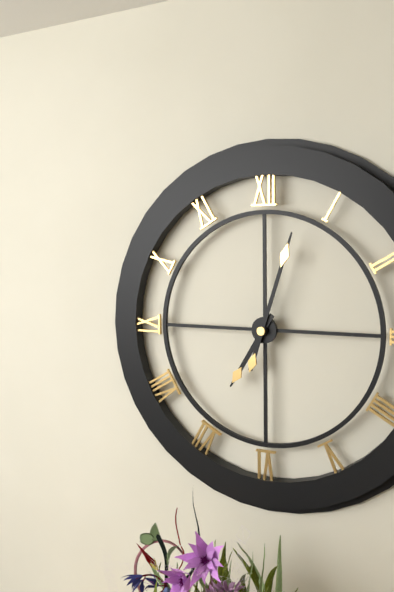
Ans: 7:03
